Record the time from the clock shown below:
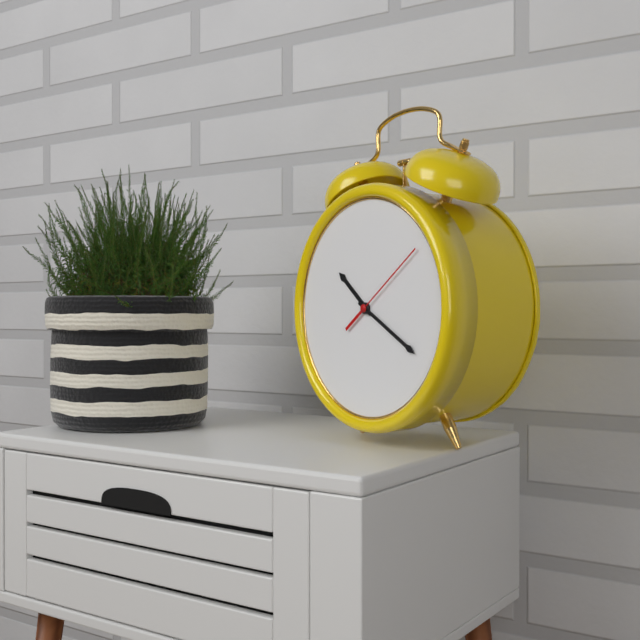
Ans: 10:20:09
